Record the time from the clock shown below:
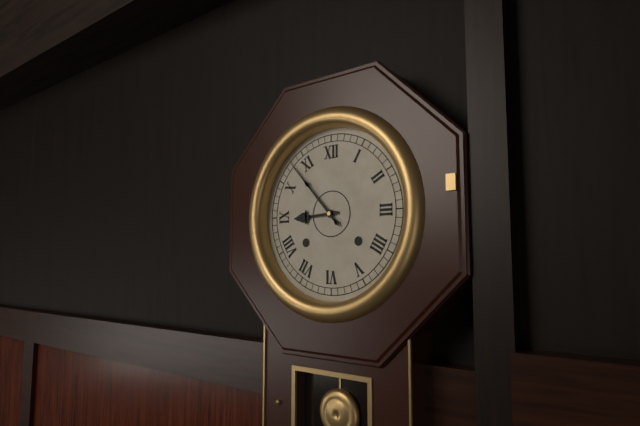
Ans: 8:53
